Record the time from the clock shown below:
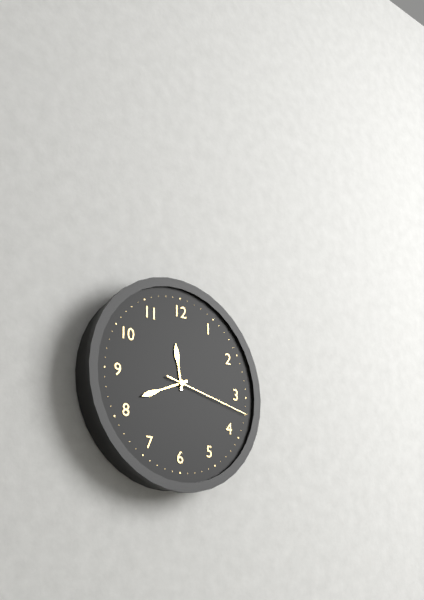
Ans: 11:41:17
